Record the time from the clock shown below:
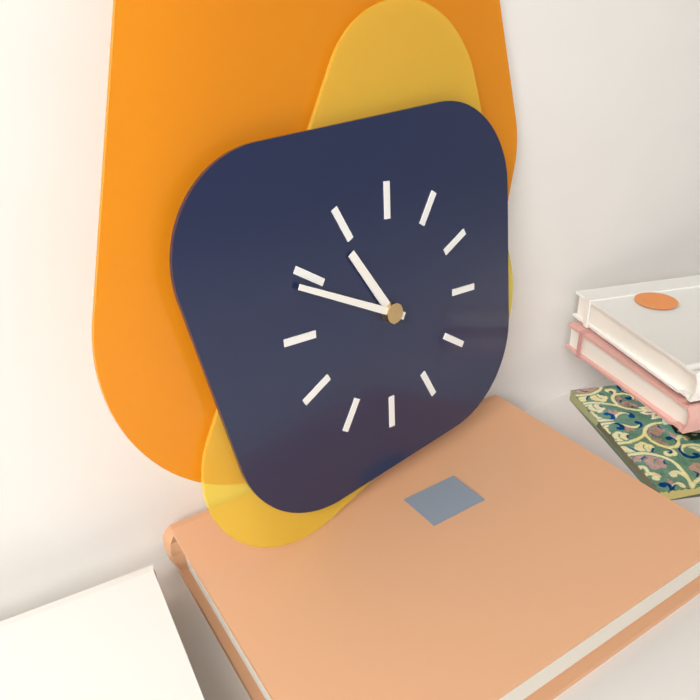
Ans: 10:49
